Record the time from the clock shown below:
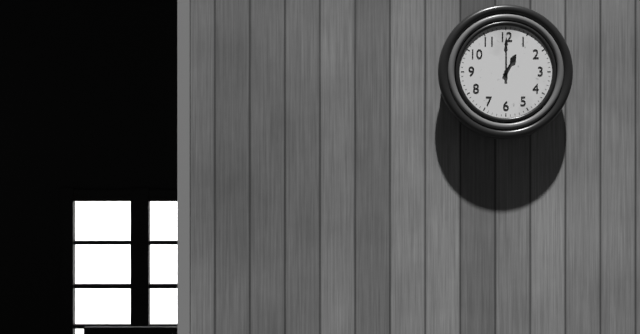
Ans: 1:00
